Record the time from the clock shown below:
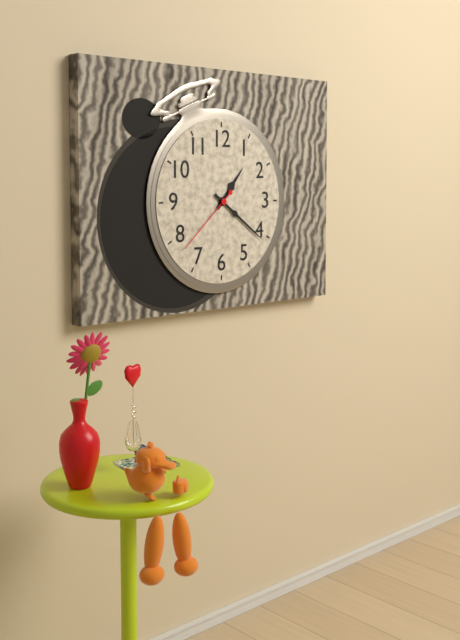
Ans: 1:21:38
